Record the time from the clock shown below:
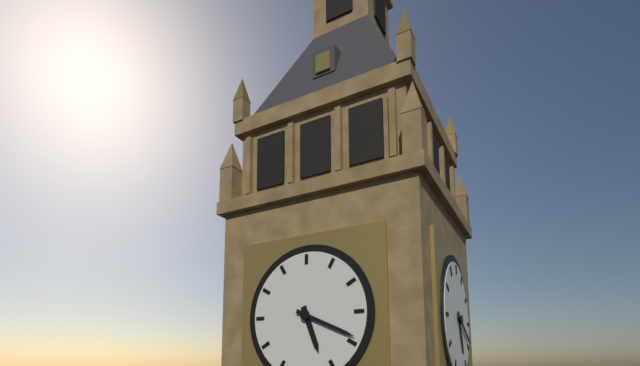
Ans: 5:19
